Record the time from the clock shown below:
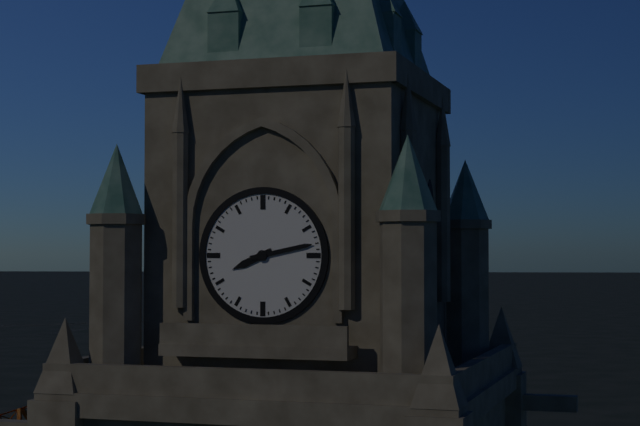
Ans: 8:13
